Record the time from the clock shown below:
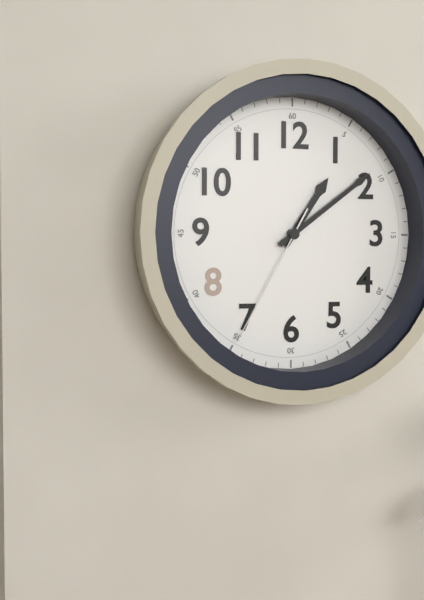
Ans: 1:09:35
